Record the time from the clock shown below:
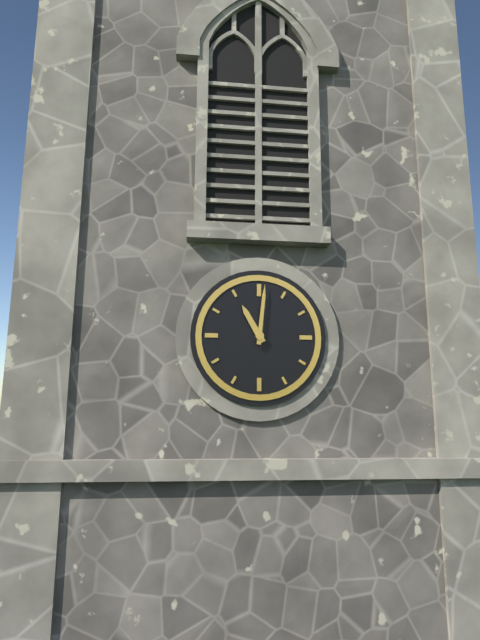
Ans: 11:01
